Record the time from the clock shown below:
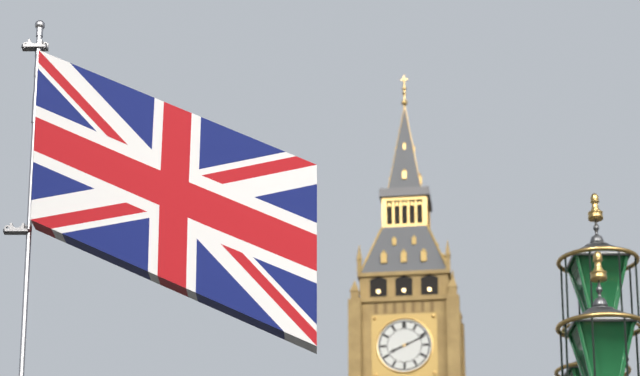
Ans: 8:11
